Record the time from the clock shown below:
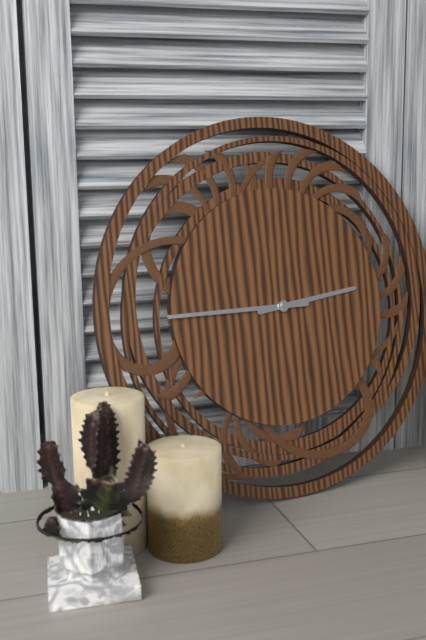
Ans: 2:45
